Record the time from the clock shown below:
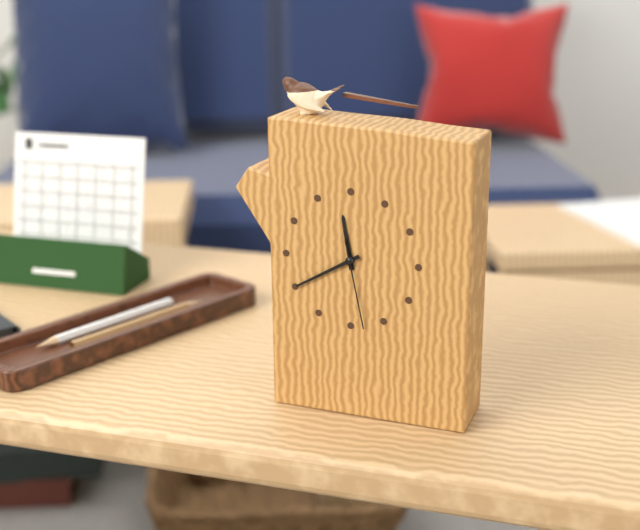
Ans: 11:40:28
